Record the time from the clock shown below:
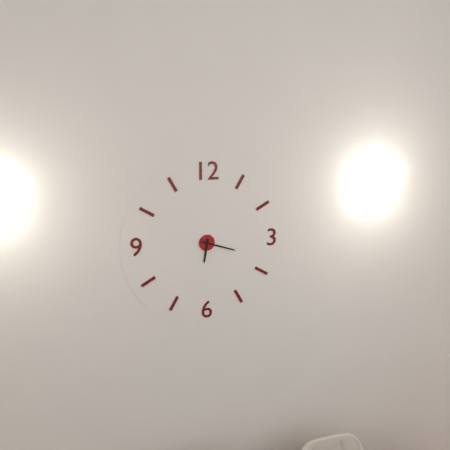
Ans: 6:18
